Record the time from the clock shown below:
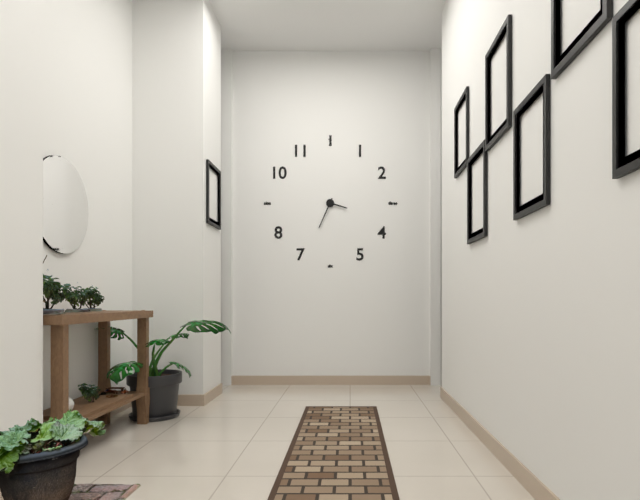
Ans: 3:34
